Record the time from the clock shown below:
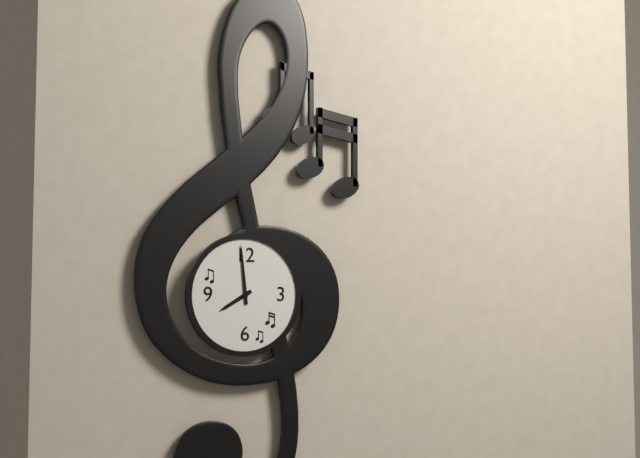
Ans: 7:59
